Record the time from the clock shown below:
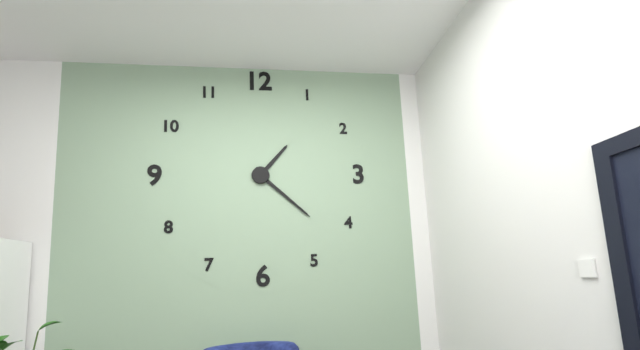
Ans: 1:22
